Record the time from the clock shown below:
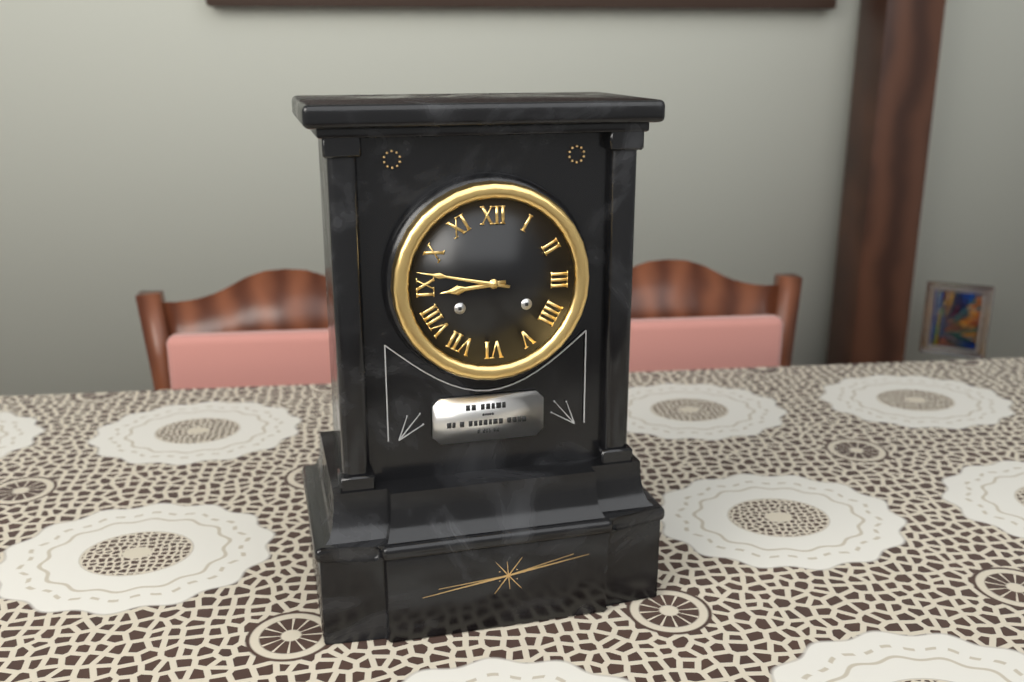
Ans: 8:47
